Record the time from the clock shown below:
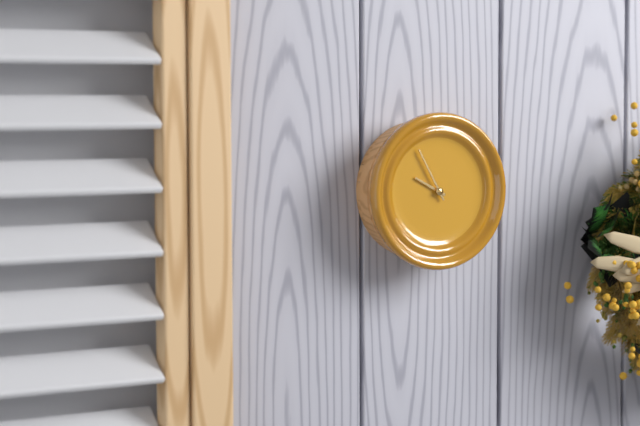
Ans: 9:55
